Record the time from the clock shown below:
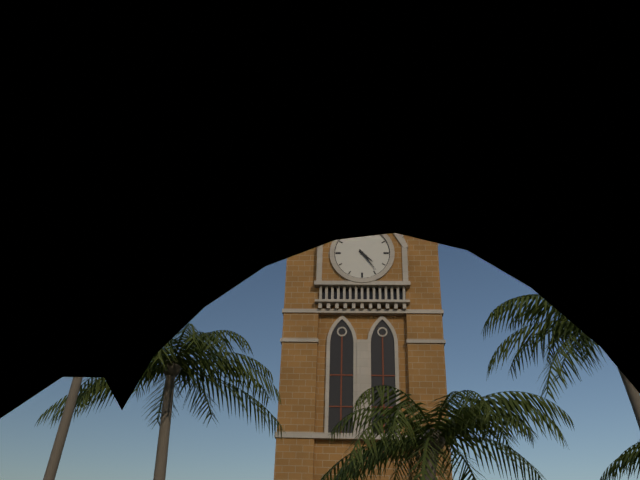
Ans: 4:24
